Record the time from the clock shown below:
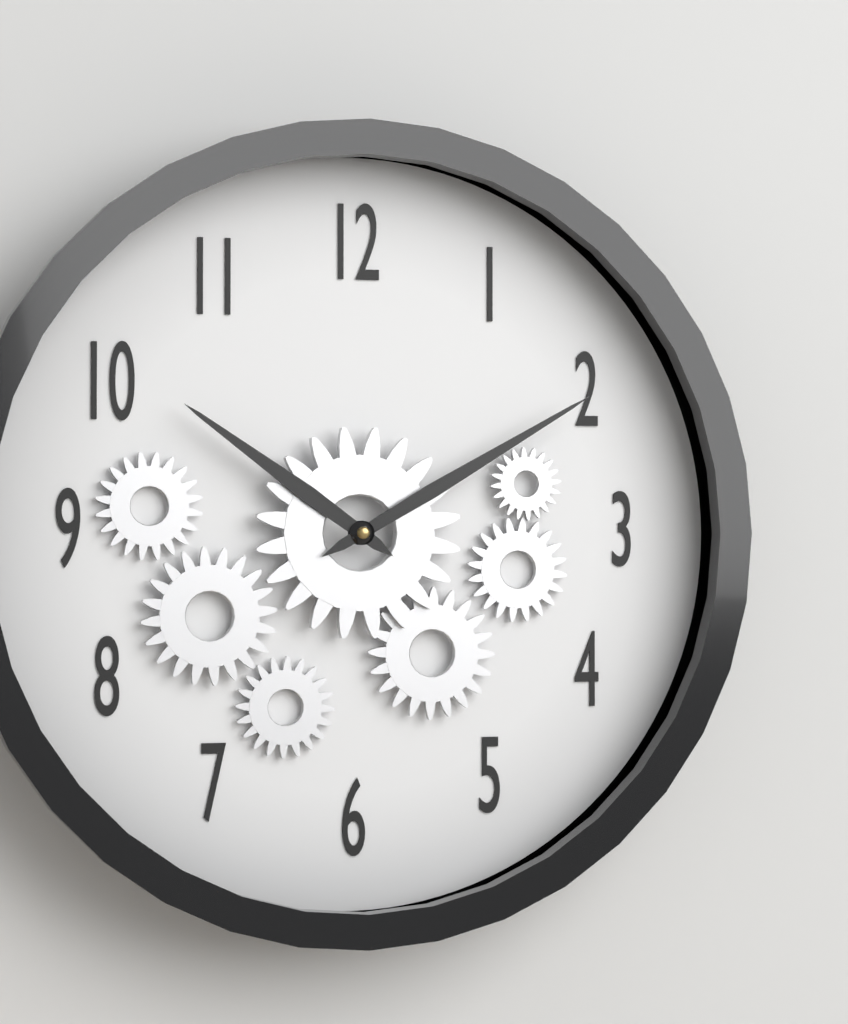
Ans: 10:10
